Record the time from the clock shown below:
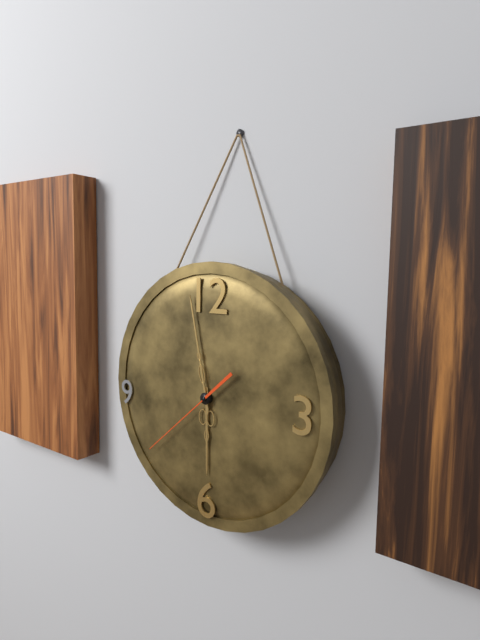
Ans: 5:58:38
